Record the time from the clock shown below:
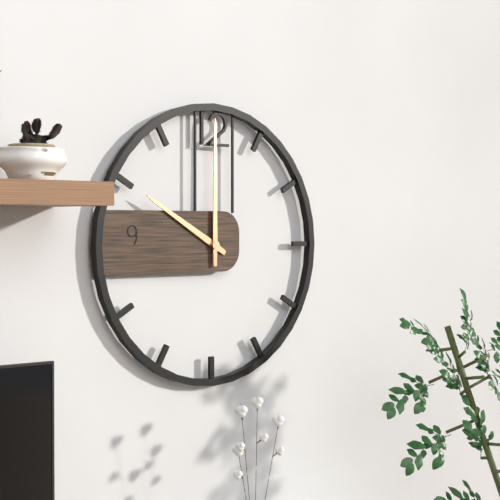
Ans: 10:00
